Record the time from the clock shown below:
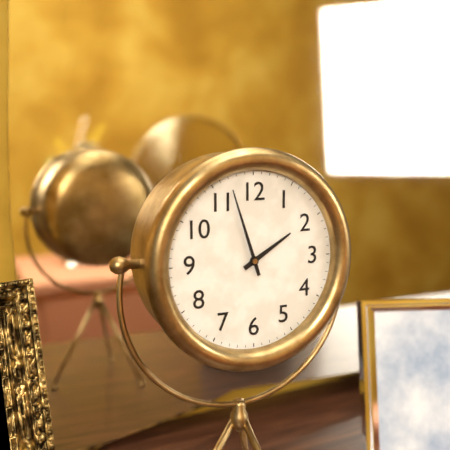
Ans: 1:57
